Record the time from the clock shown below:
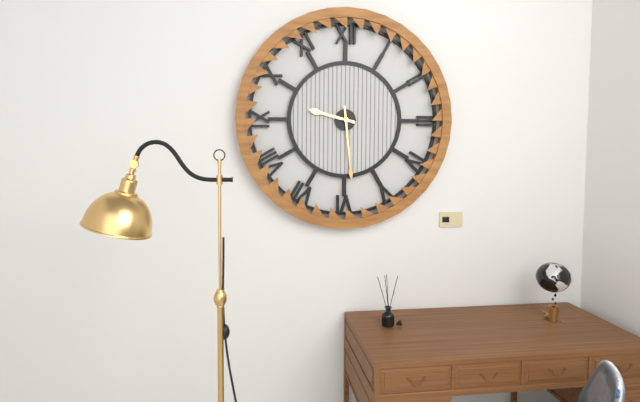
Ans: 9:29
